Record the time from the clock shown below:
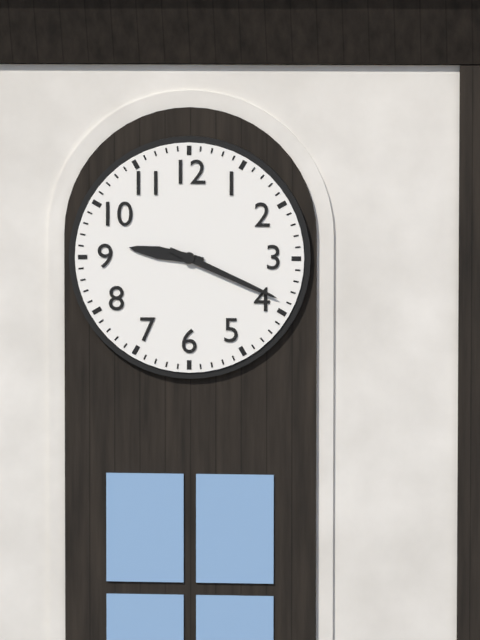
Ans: 9:19
